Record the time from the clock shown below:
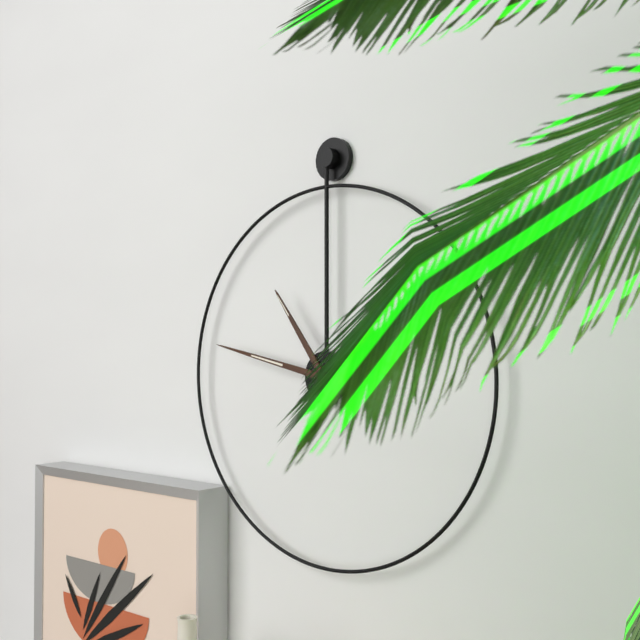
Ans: 10:47
